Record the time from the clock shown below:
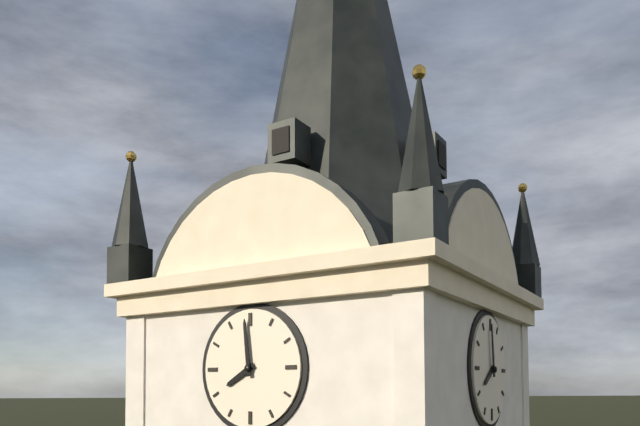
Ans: 7:59
